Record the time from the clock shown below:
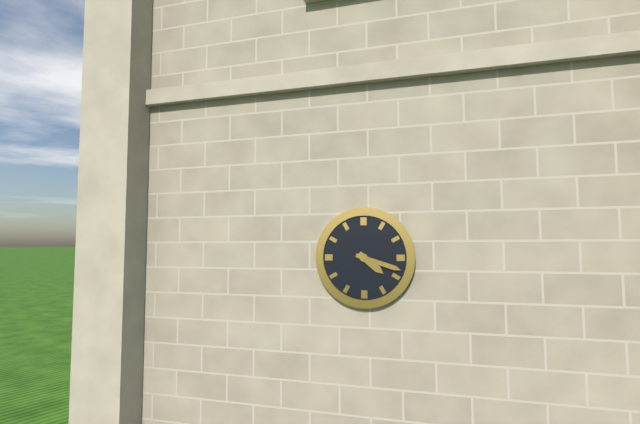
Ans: 4:18
